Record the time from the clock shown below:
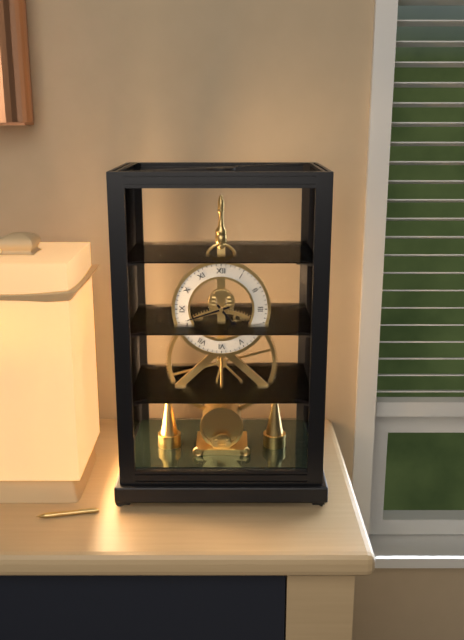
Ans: 4:42
